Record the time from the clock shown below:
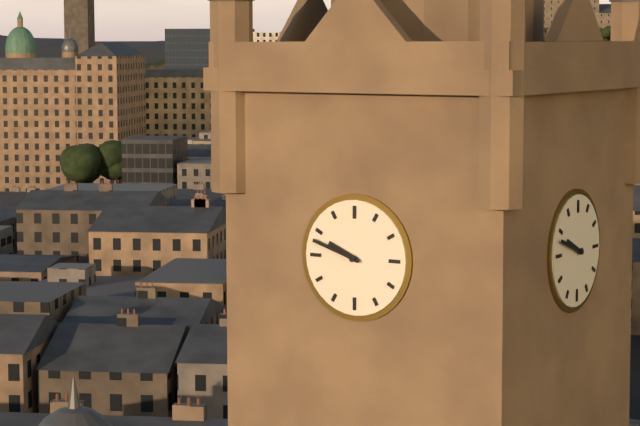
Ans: 9:48
